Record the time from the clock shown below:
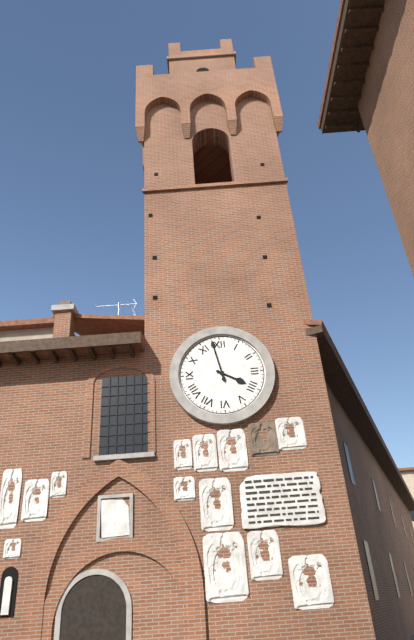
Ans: 3:58
